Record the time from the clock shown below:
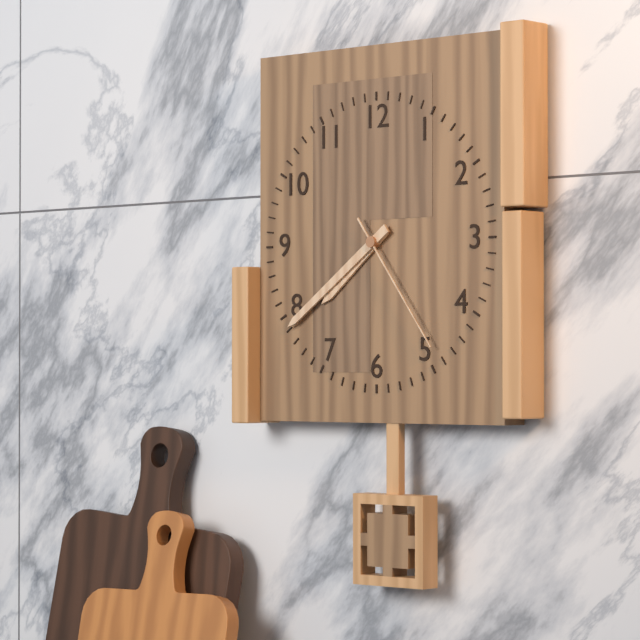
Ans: 7:39:24
